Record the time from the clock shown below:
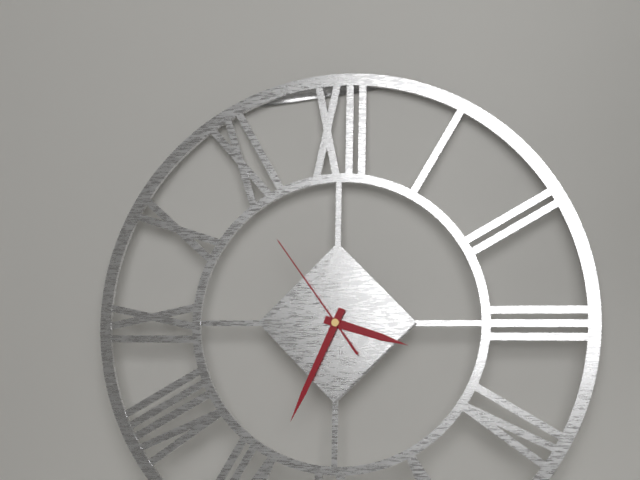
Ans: 3:34:54
